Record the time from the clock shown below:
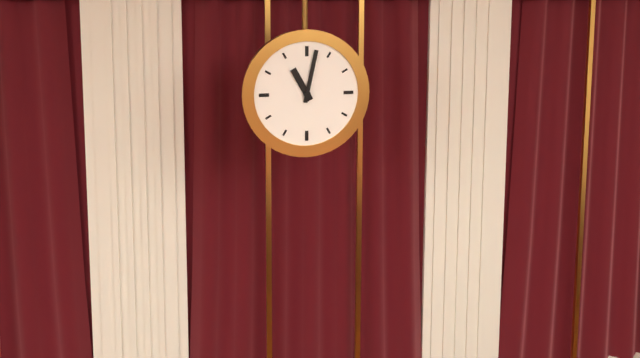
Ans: 11:02
